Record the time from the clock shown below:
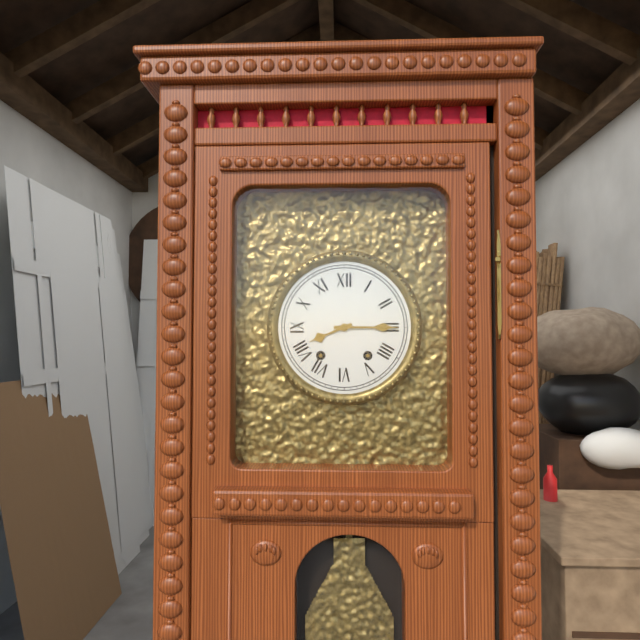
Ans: 8:15
